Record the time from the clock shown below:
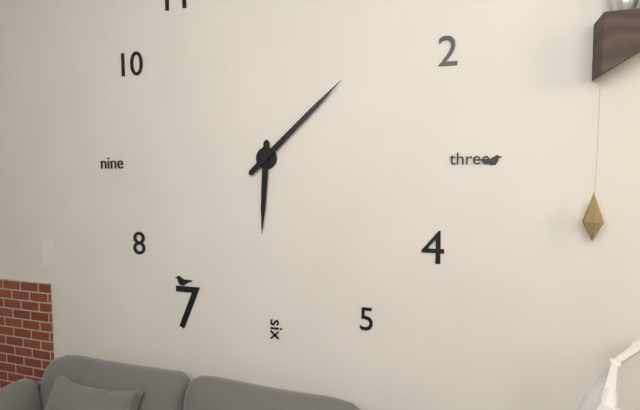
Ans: 6:08
